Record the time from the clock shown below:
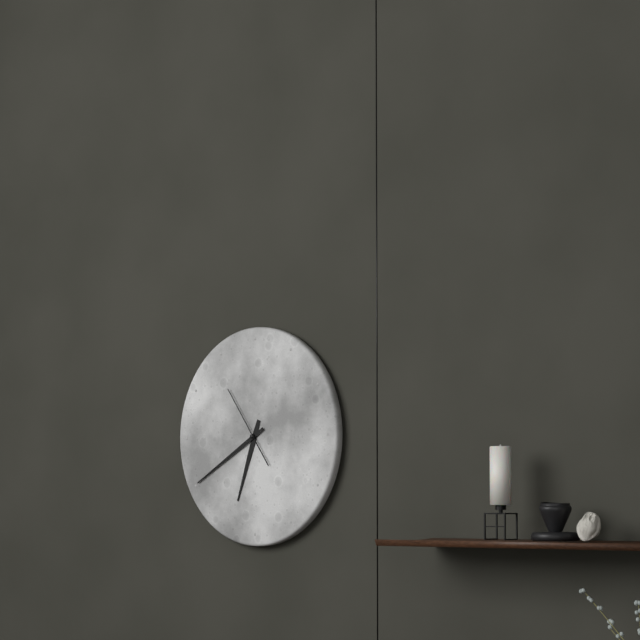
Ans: 6:40:54
